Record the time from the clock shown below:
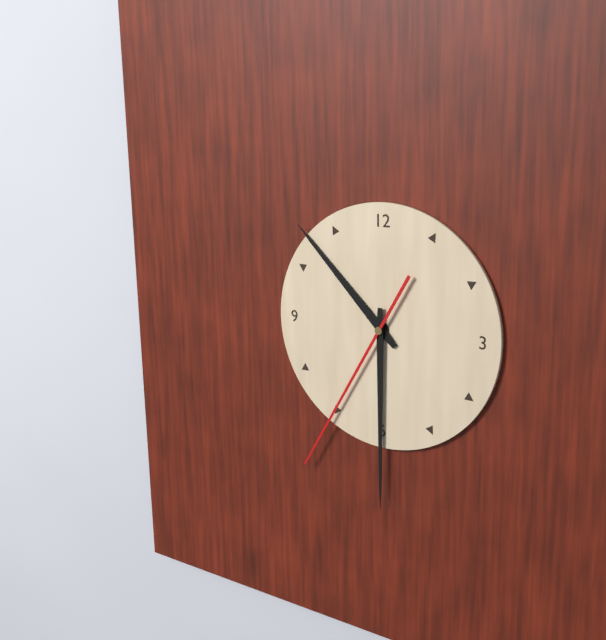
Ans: 10:30:35
